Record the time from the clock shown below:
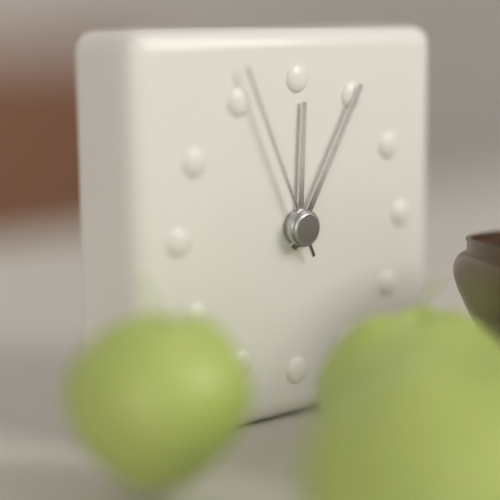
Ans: 12:05:56
